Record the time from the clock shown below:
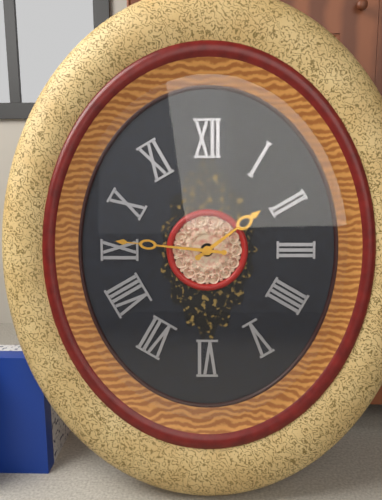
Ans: 1:46
